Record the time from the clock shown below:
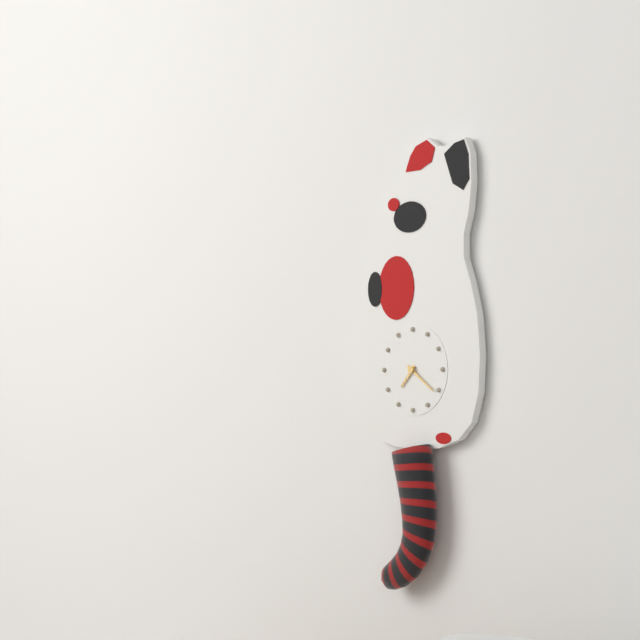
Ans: 7:21
